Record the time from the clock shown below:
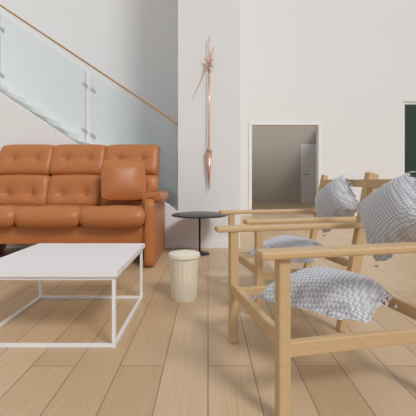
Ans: 12:34
